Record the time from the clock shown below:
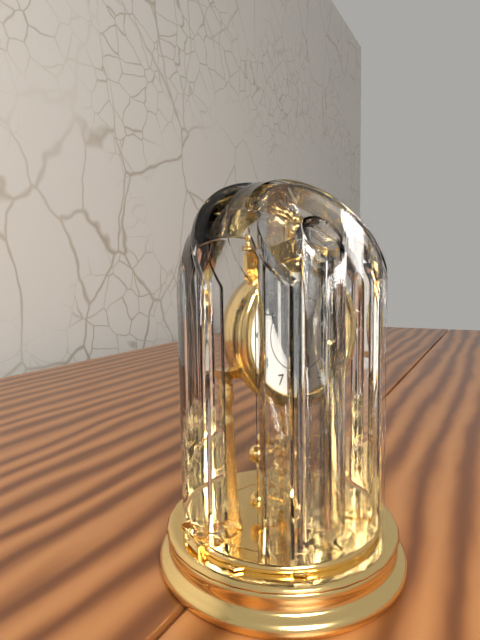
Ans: 5:28
